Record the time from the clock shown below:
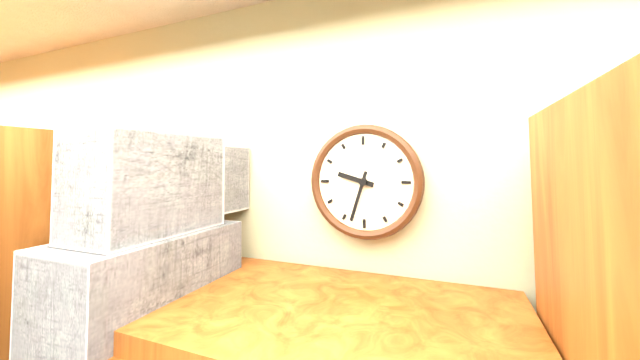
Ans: 9:33
